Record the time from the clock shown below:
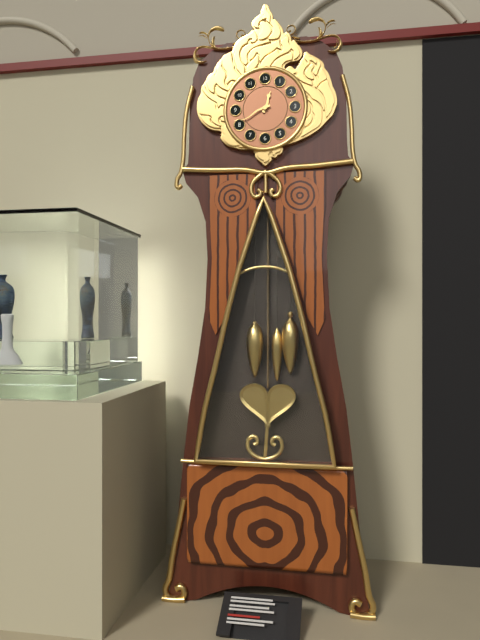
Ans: 12:41
